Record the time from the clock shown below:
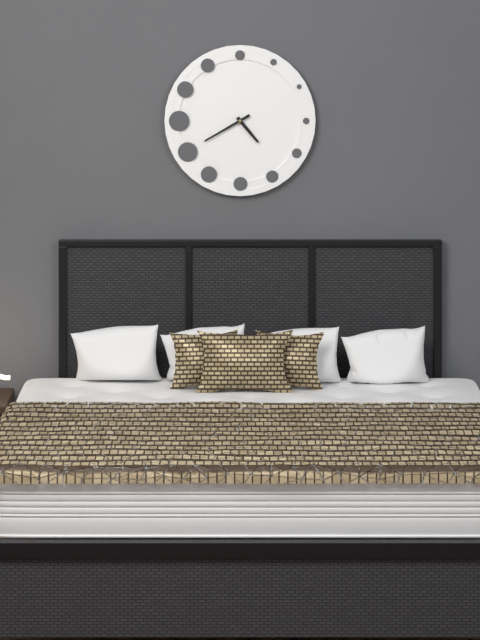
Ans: 4:40
